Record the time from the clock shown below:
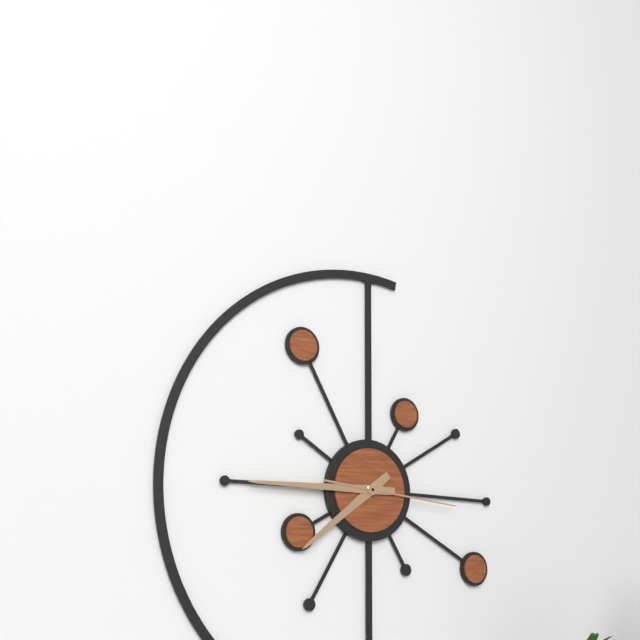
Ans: 7:45:16
